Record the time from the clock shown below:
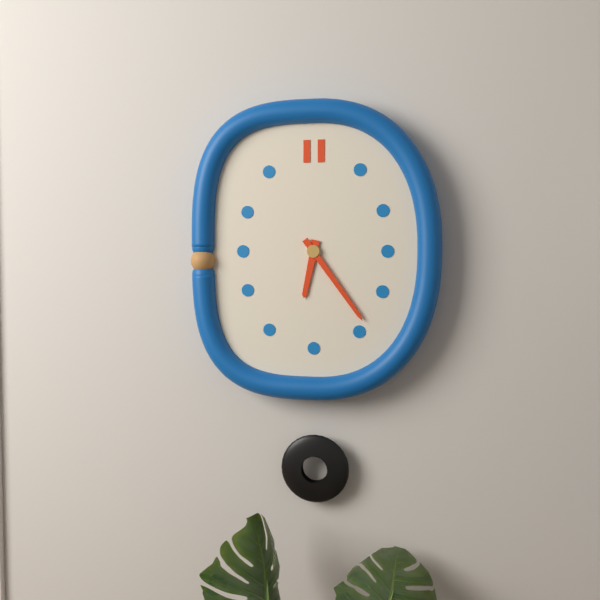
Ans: 6:24
